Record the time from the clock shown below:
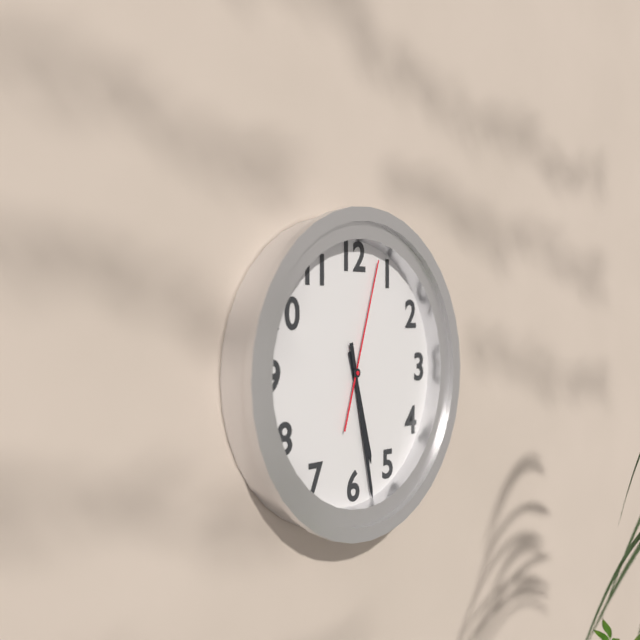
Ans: 5:28:03
